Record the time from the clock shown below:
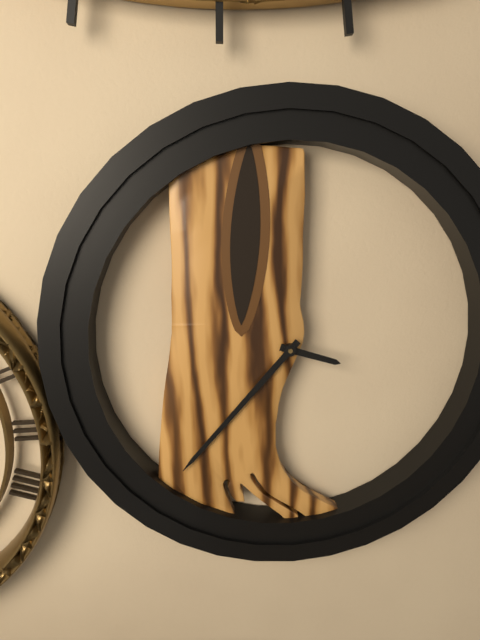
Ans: 3:37
